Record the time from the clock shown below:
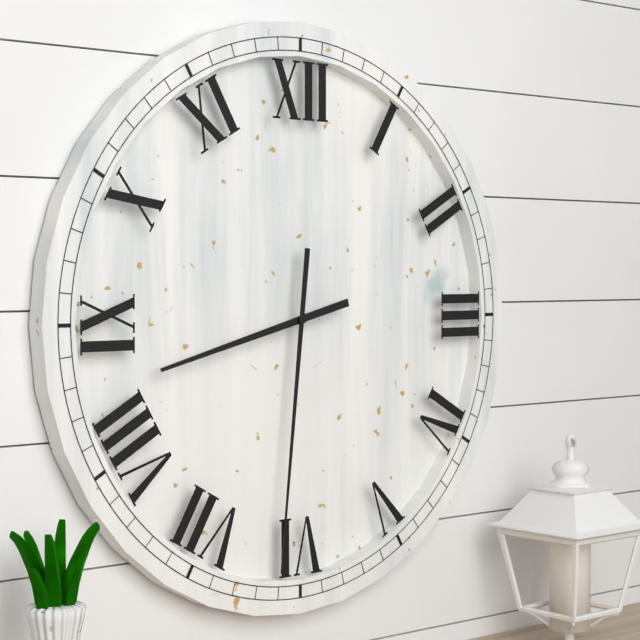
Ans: 8:31
